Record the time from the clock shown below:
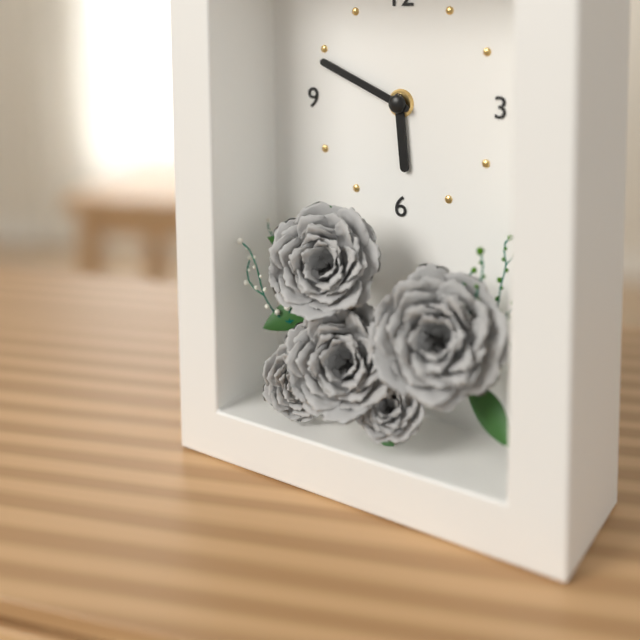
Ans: 5:49
